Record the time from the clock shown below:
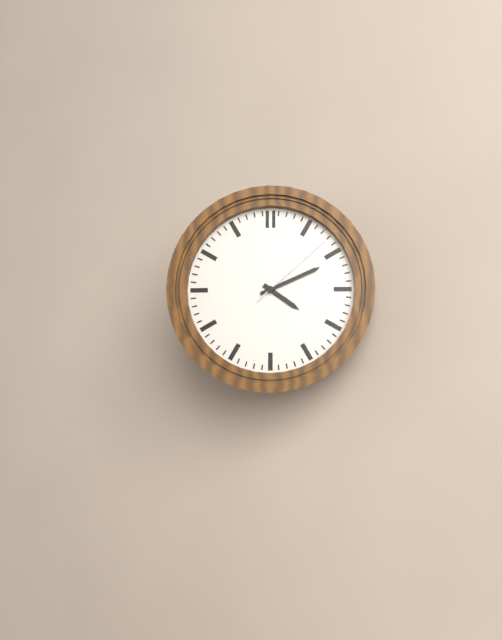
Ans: 4:11:08
